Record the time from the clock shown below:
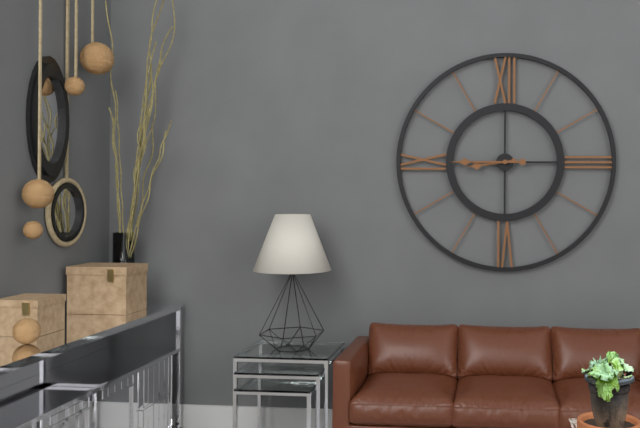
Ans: 8:45
